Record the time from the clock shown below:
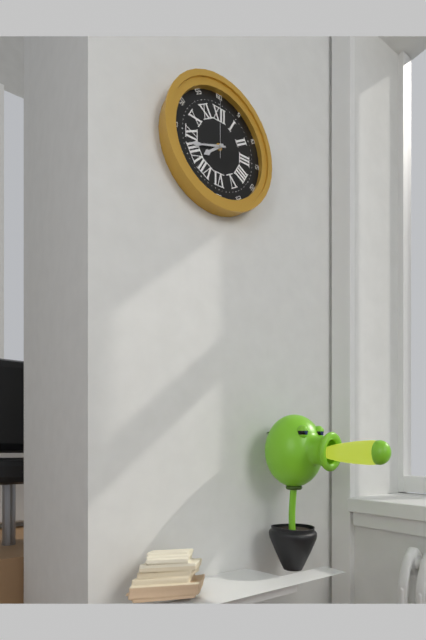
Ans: 7:42:00
